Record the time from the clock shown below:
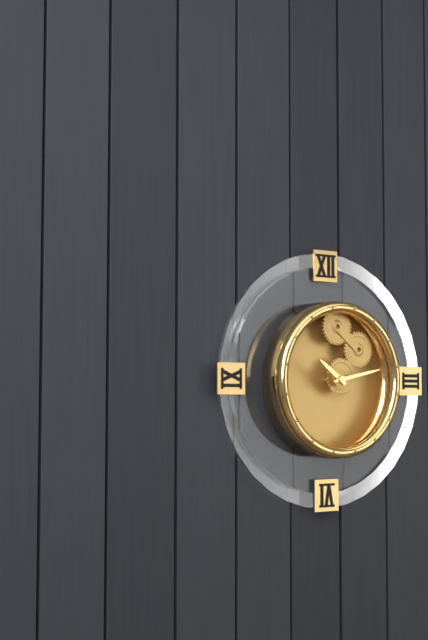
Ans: 10:13
